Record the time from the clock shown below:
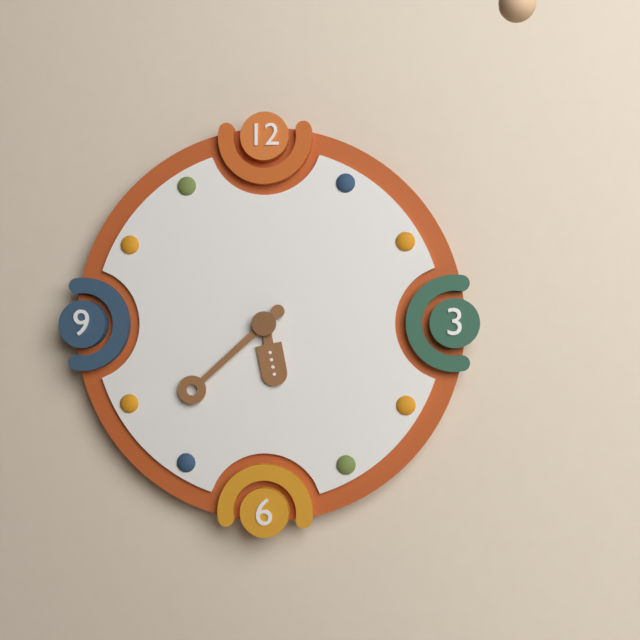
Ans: 5:38
